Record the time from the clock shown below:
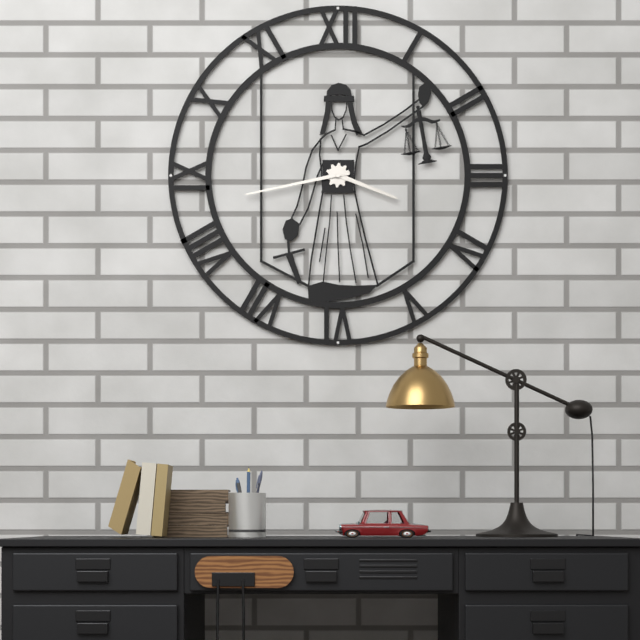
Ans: 3:43
